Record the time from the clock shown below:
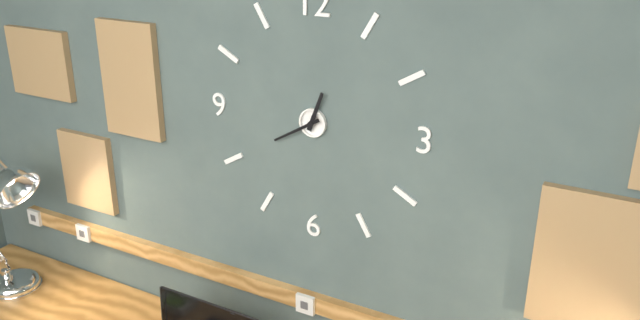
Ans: 12:40
